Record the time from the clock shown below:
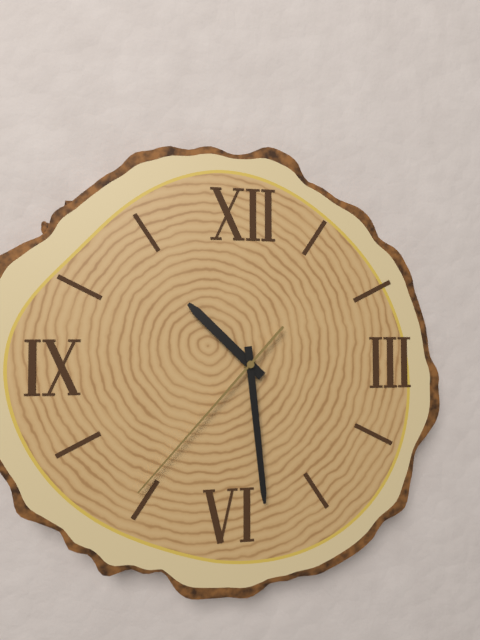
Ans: 10:29:37
